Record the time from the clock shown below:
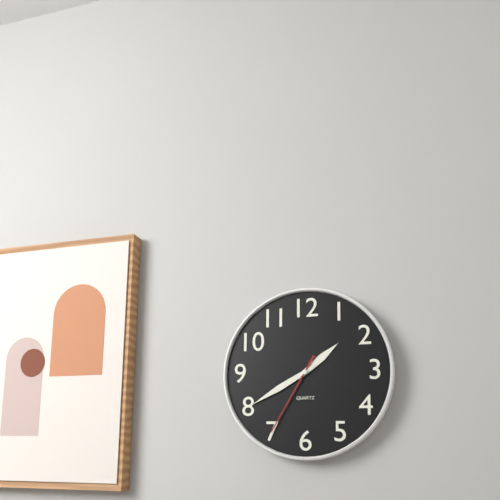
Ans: 1:40:35
